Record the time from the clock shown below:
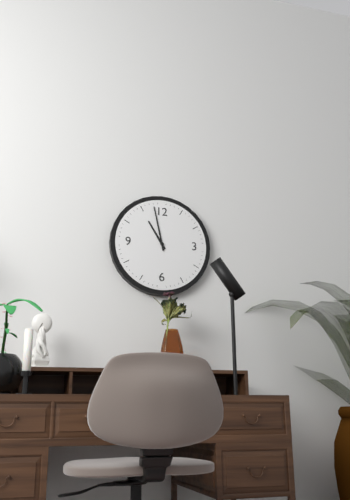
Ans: 10:58
